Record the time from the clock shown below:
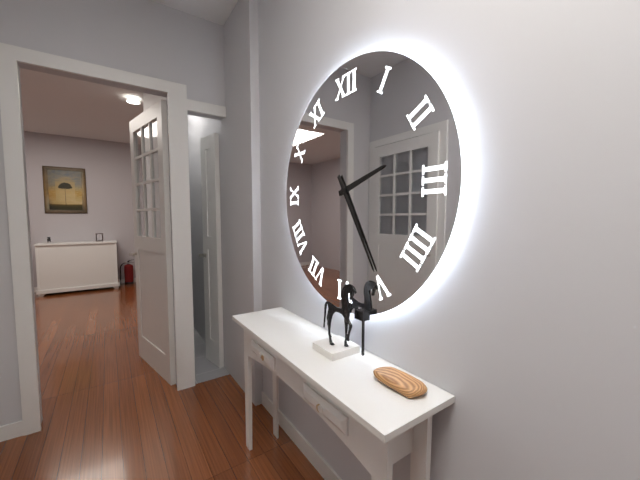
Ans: 2:25
